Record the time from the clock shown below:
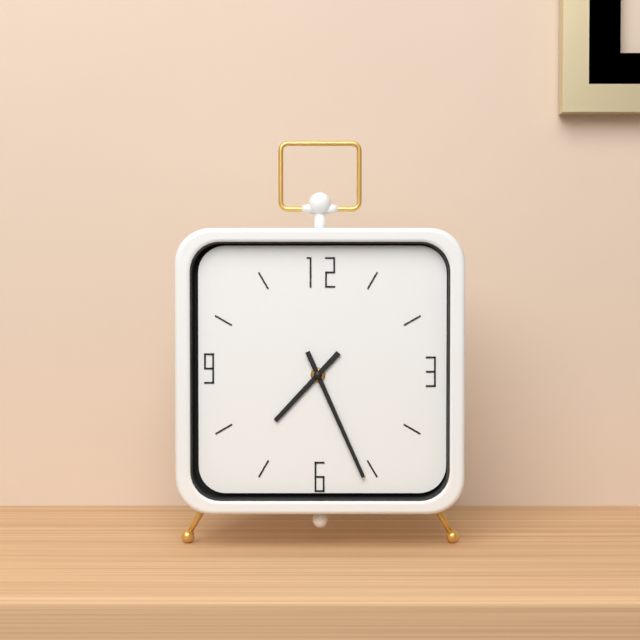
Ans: 7:26
